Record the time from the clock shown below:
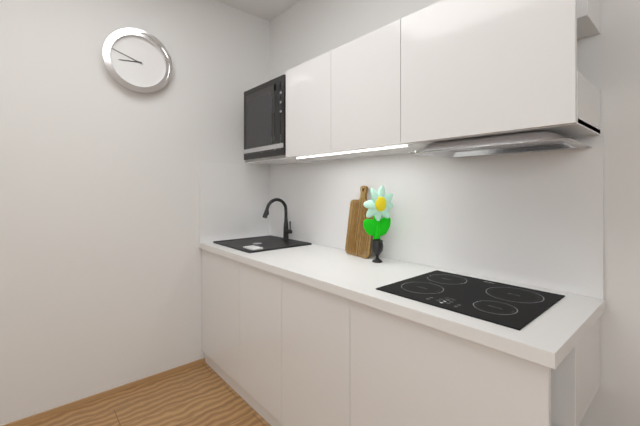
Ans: 8:48
